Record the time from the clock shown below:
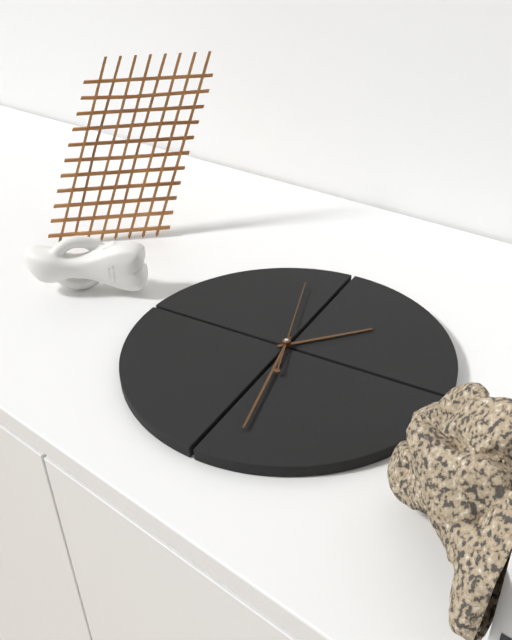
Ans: 1:28:57
